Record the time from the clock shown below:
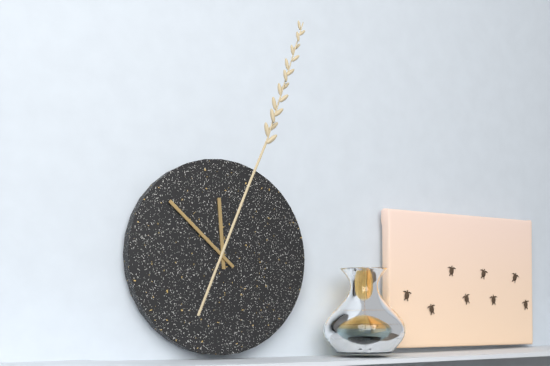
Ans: 11:52
